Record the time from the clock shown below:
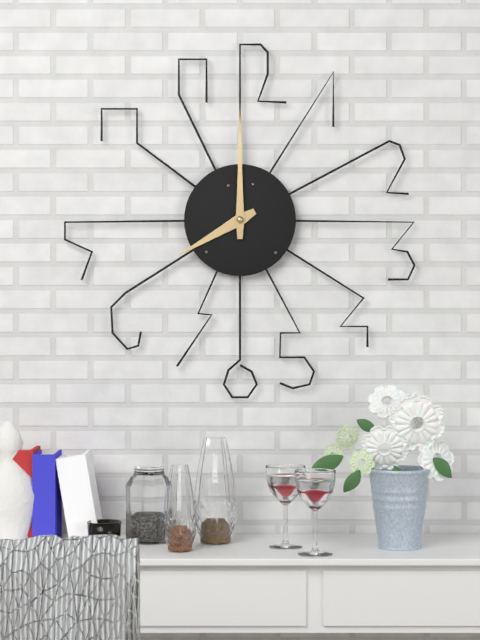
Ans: 8:00
